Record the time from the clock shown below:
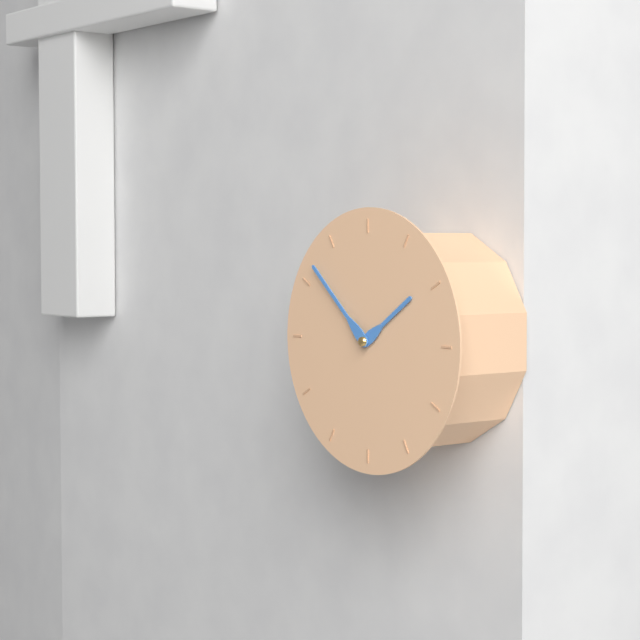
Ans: 1:52
